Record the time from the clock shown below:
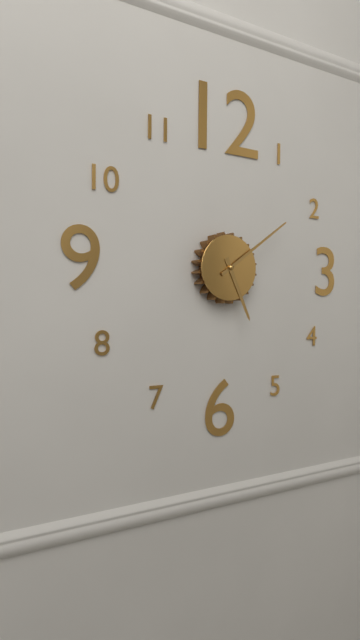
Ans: 5:09
